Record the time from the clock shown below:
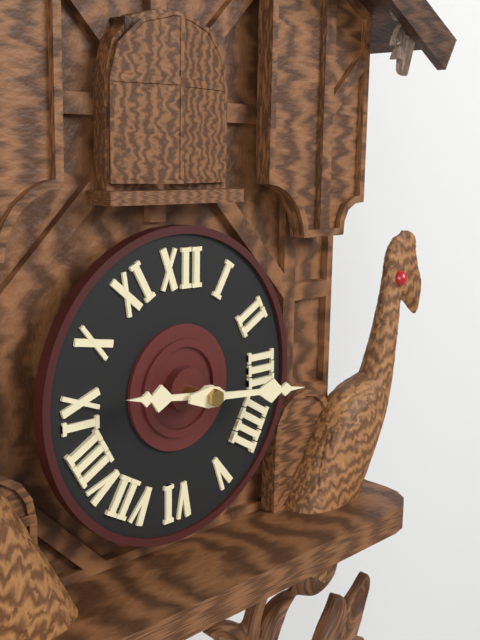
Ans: 9:16
